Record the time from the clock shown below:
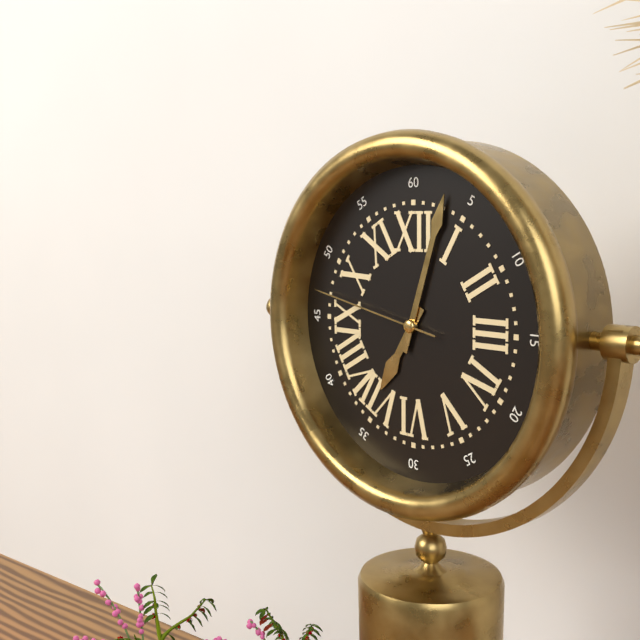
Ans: 7:03:47
